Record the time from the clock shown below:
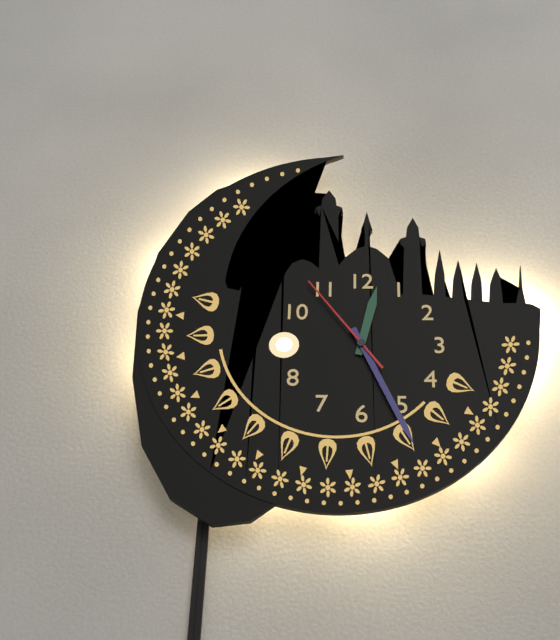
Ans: 12:26:54
